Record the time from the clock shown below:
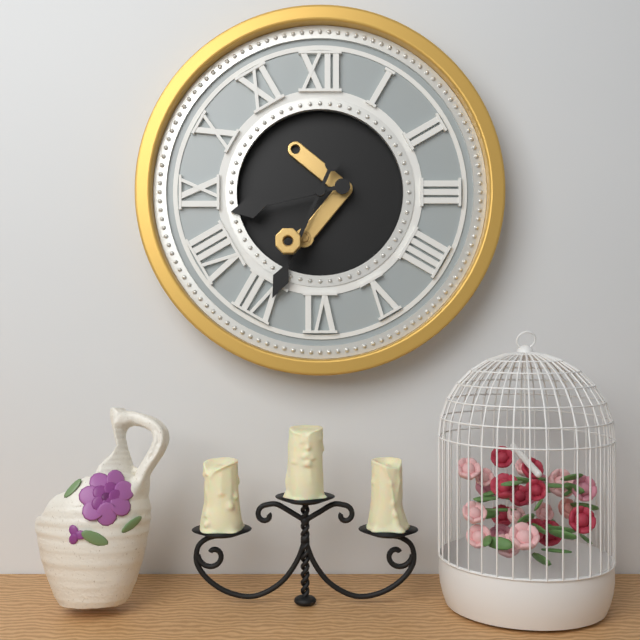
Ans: 8:34
